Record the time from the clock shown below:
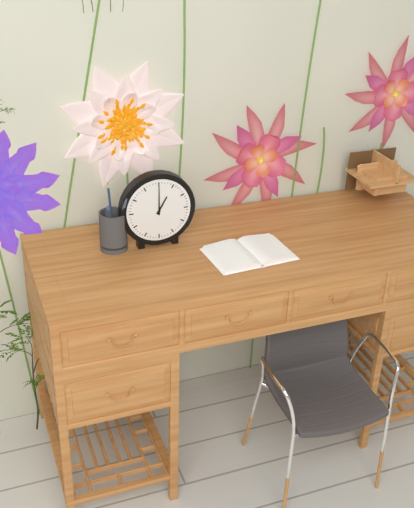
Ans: 1:00
